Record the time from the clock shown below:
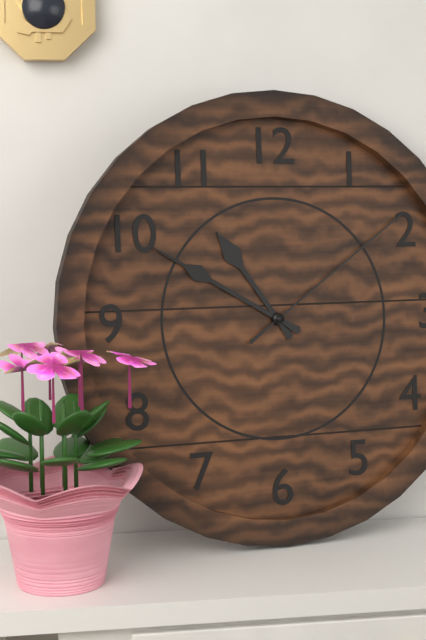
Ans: 10:50:09
